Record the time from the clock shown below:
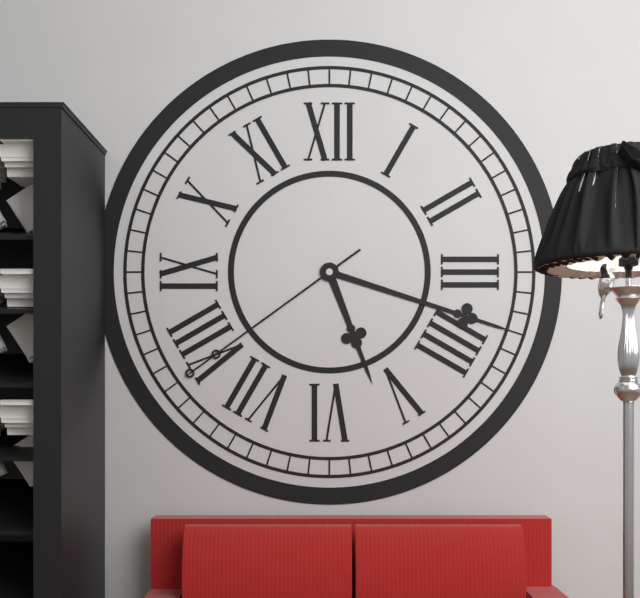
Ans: 5:18:39
